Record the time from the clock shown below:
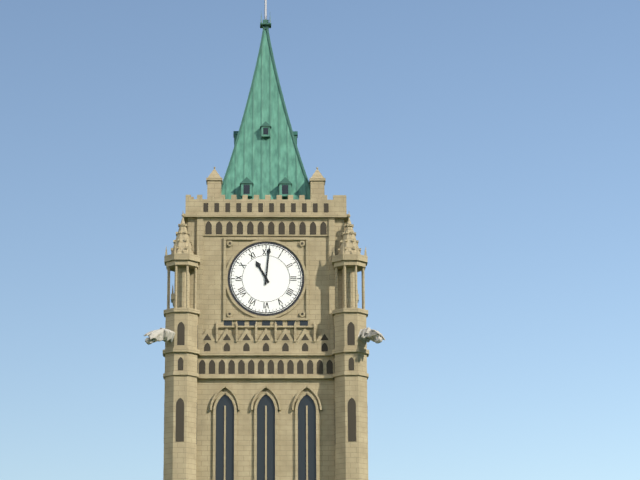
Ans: 11:01
